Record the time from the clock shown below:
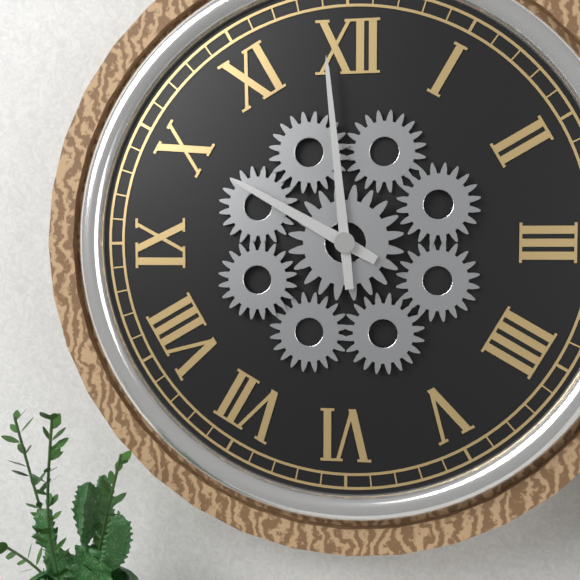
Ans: 9:59
